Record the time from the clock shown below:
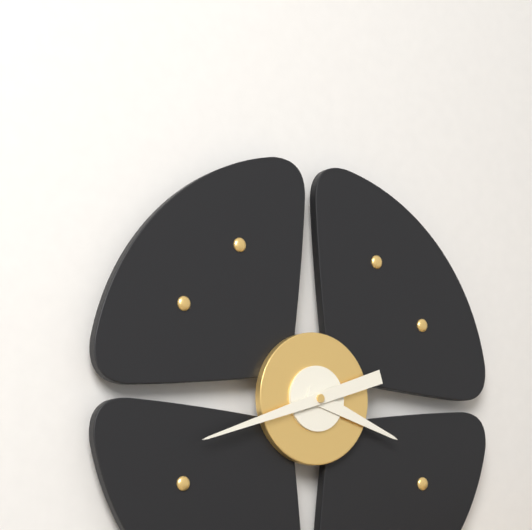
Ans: 3:42
